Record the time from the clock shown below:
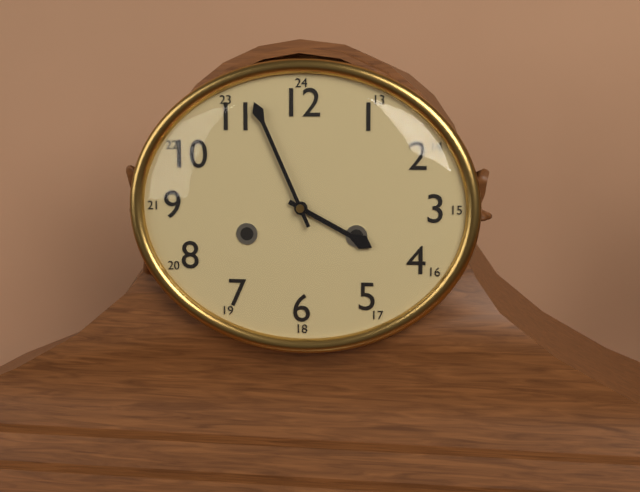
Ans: 3:56
